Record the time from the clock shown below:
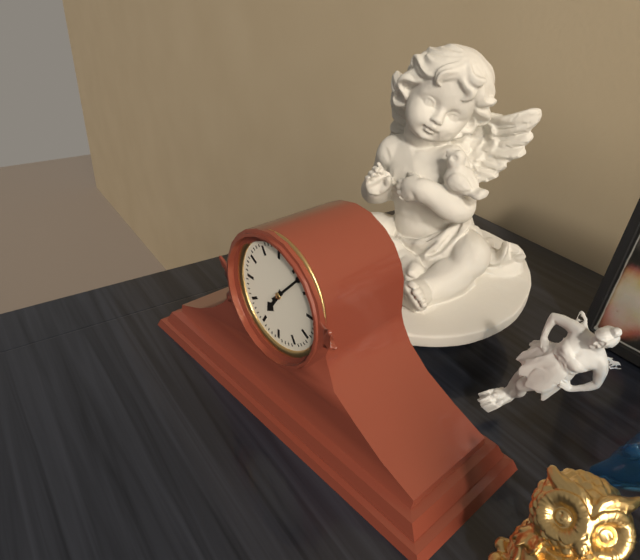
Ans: 7:07
